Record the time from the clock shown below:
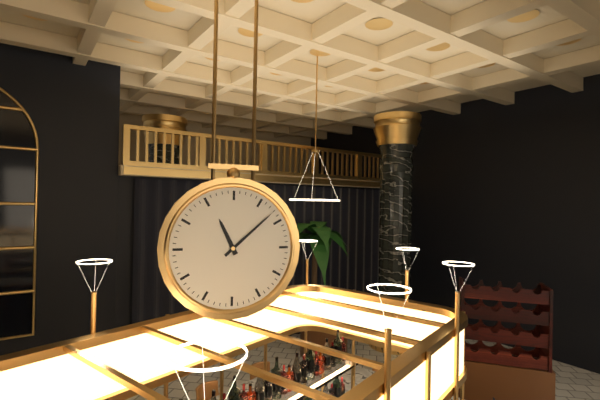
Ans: 11:08
